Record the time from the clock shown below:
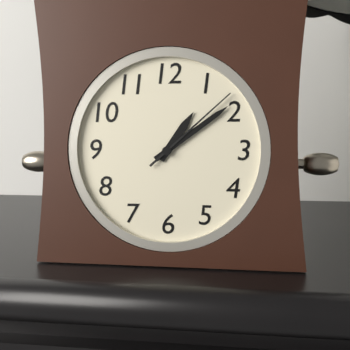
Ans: 1:09:08
